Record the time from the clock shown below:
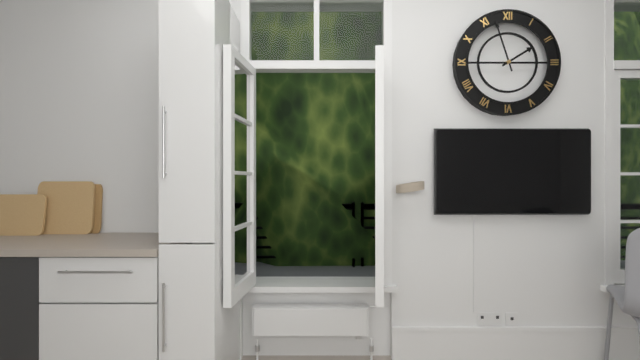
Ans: 1:57
